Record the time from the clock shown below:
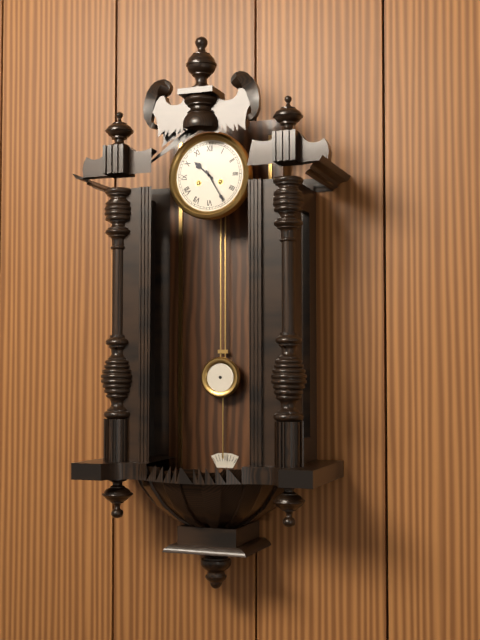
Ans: 10:25
